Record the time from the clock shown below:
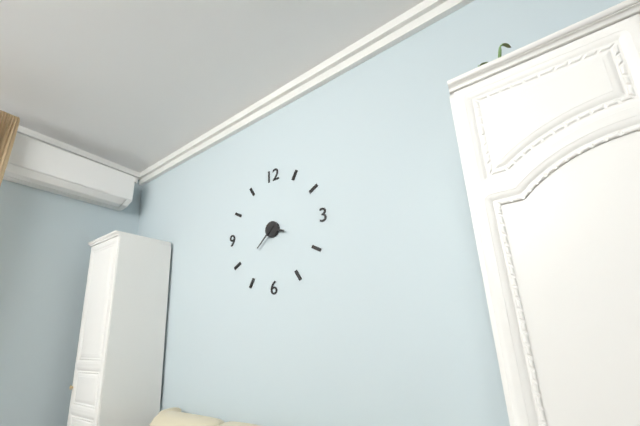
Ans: 3:38
